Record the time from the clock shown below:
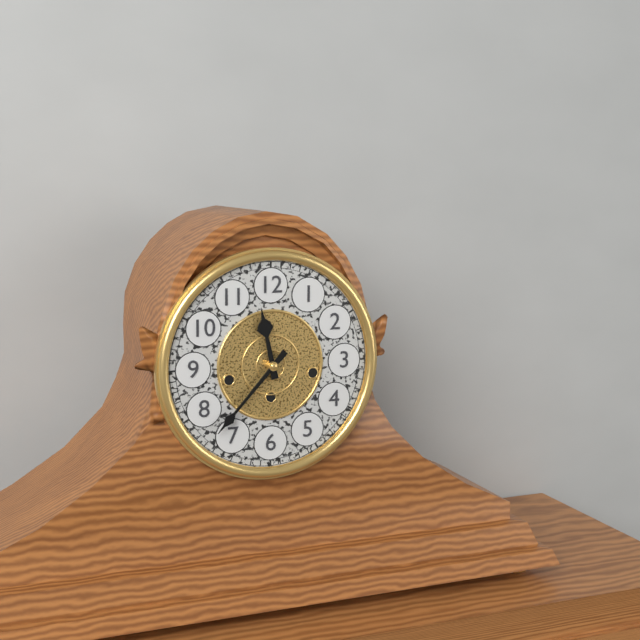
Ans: 11:37
